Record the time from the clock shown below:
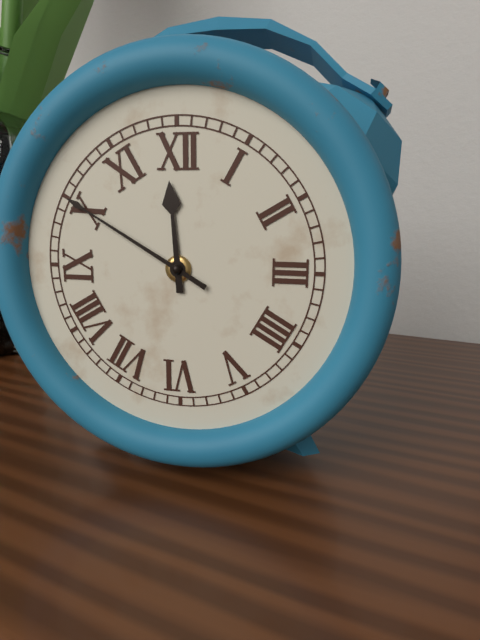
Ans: 11:50
